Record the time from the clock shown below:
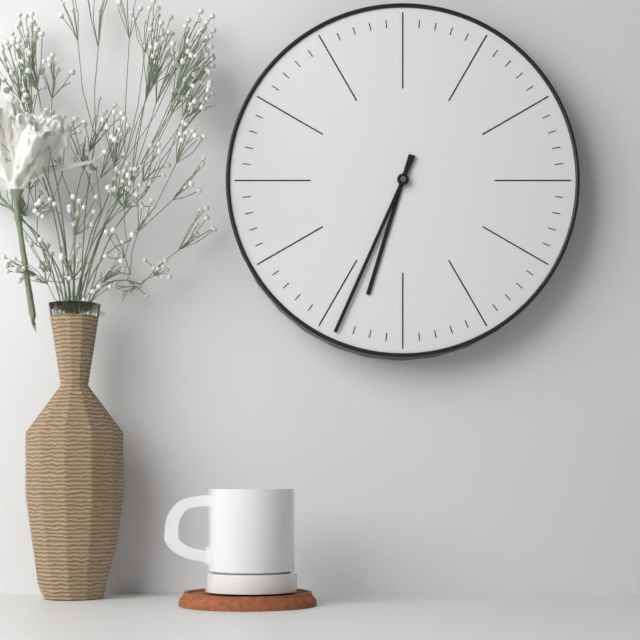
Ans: 6:34
